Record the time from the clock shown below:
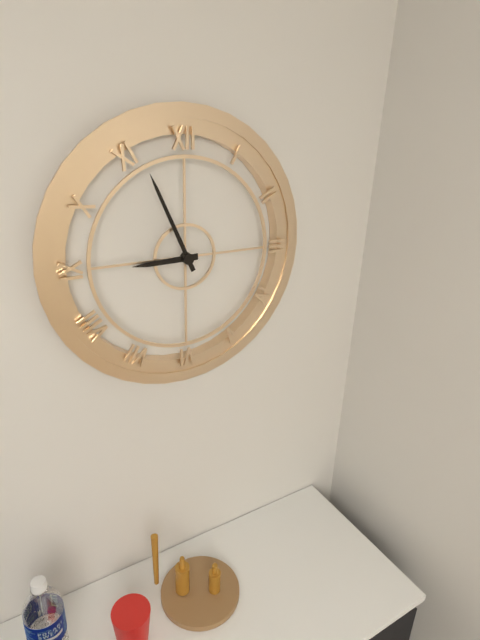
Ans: 8:56
